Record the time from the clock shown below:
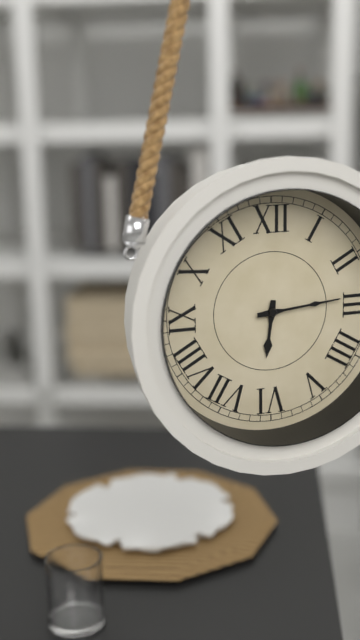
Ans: 6:14
